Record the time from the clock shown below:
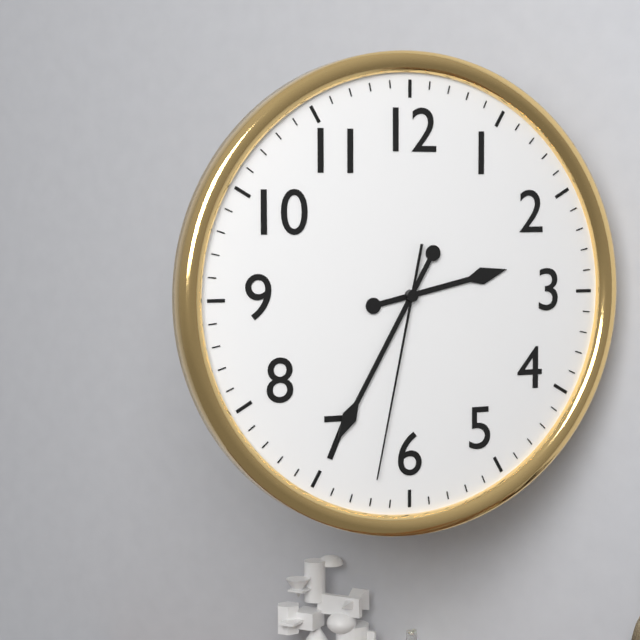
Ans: 2:35:32
